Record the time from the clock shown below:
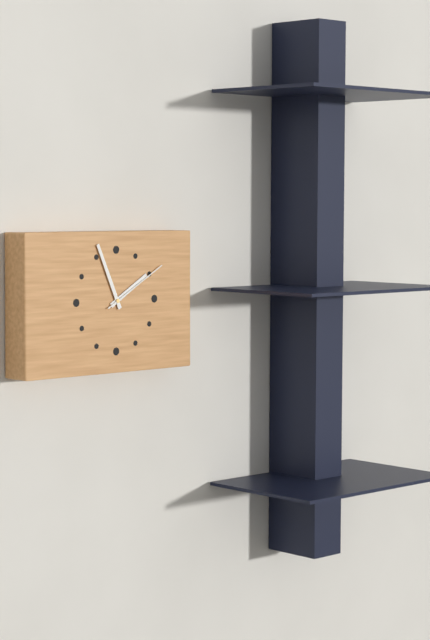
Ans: 1:56:10
